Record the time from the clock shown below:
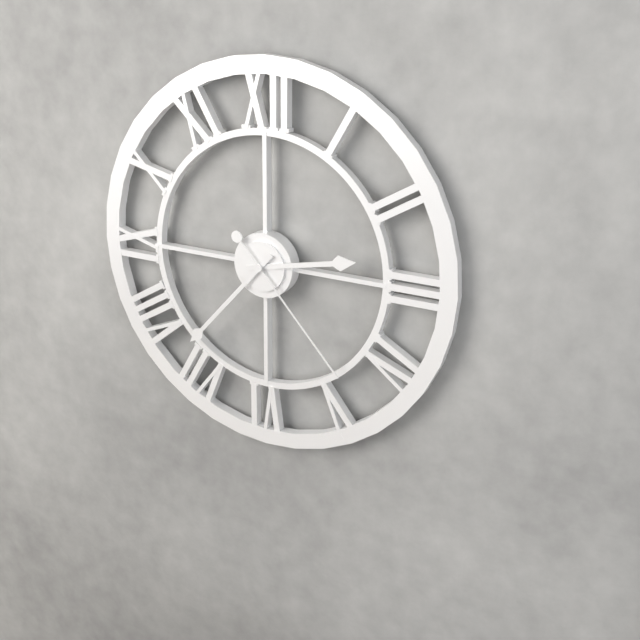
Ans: 2:37:23
